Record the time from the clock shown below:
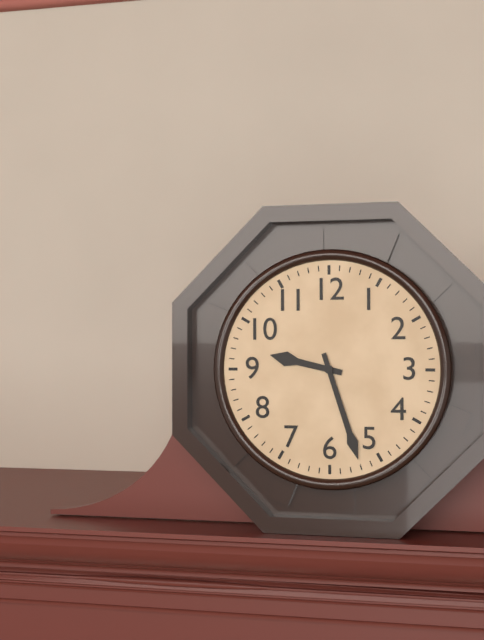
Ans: 9:27
